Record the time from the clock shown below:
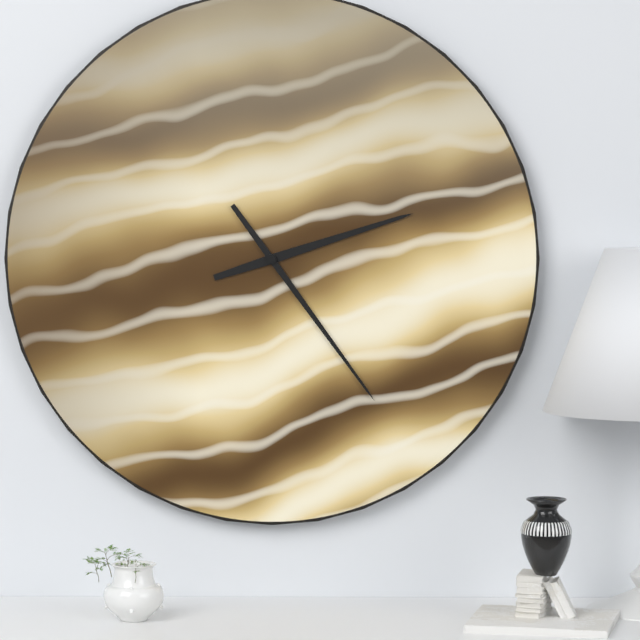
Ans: 2:24
